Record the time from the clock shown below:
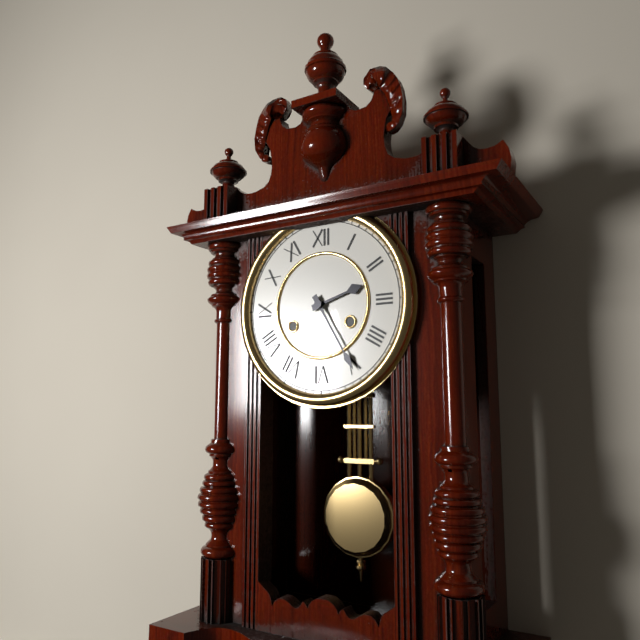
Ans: 2:25
